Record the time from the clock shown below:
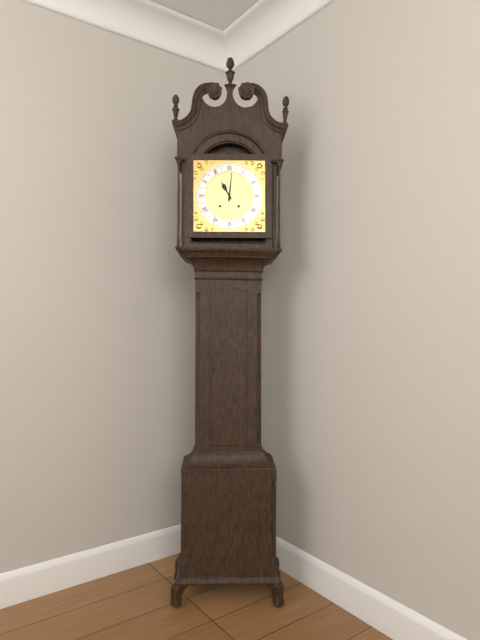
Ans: 11:01
